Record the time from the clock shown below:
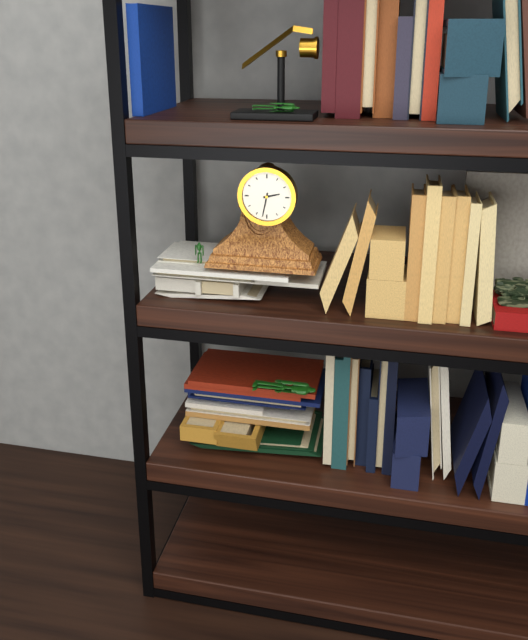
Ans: 2:32
